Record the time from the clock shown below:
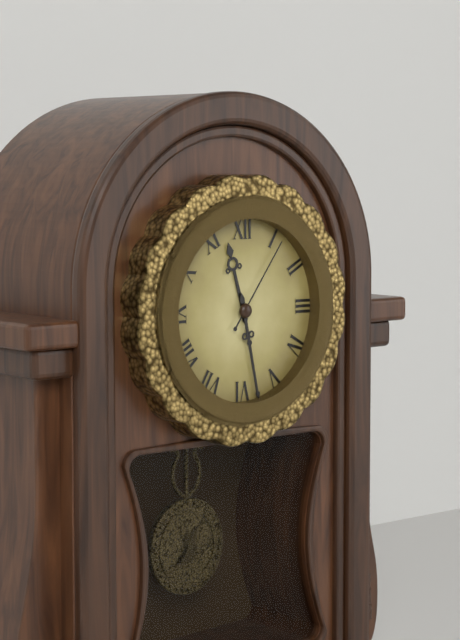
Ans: 11:28:06
